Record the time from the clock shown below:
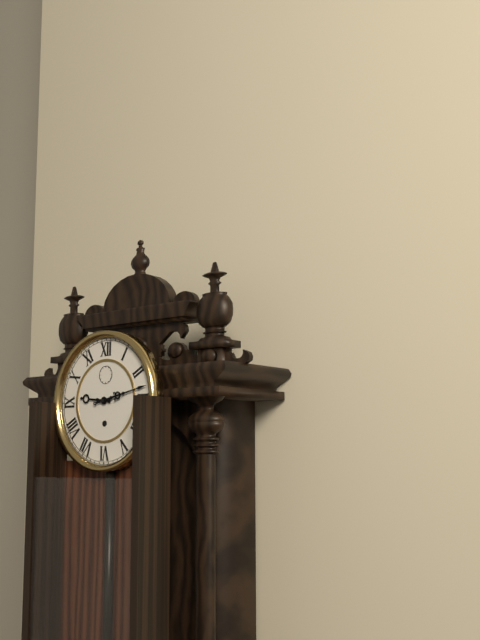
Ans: 9:13
